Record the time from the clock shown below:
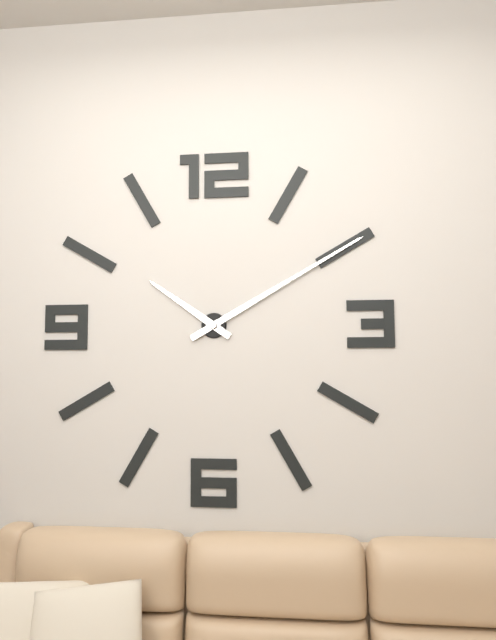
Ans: 10:10
